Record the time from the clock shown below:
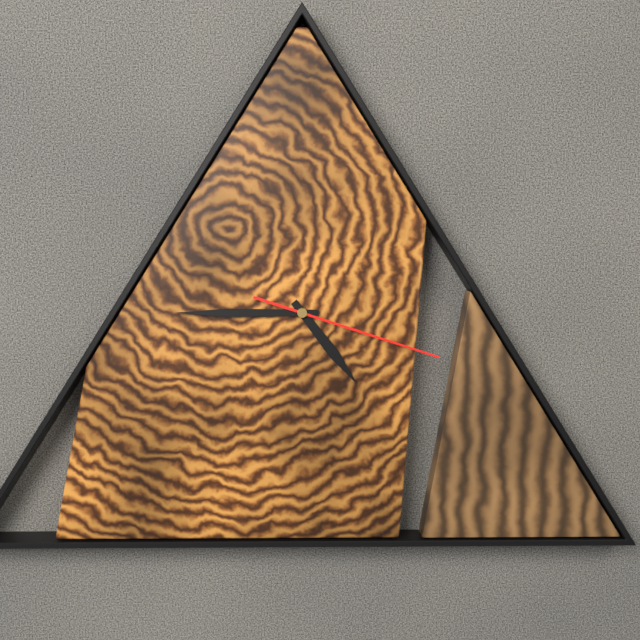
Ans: 4:45:18
